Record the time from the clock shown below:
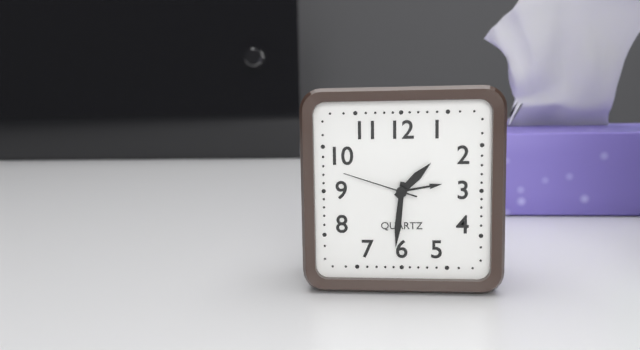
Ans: 1:31:48
